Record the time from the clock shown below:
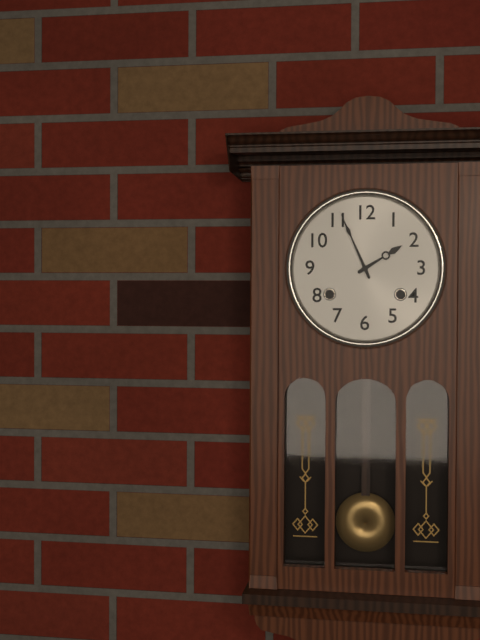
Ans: 1:56
